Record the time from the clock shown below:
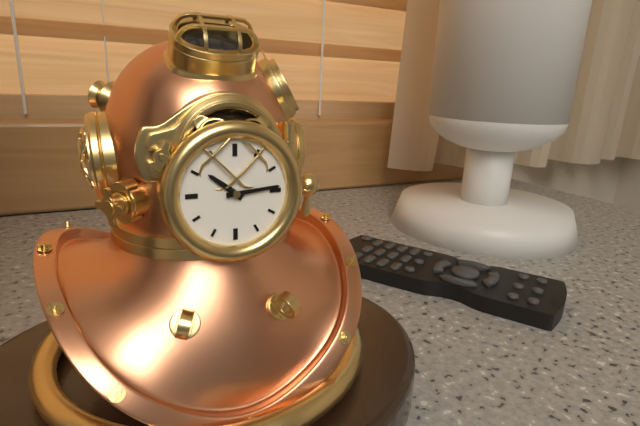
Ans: 10:14
